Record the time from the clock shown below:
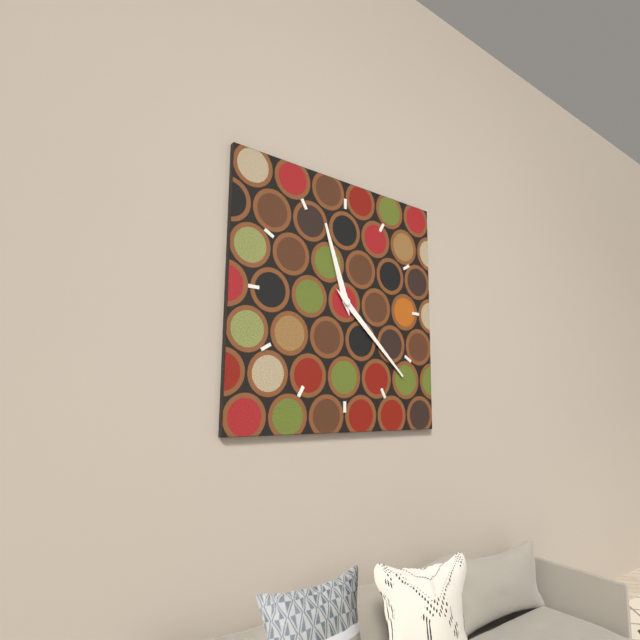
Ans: 11:22
